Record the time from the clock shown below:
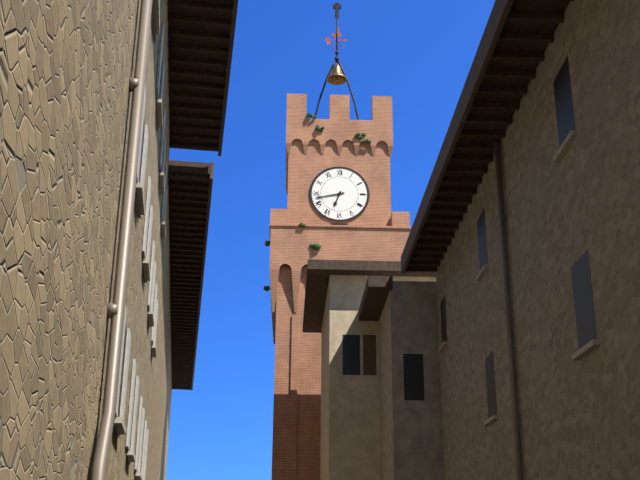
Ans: 6:43
